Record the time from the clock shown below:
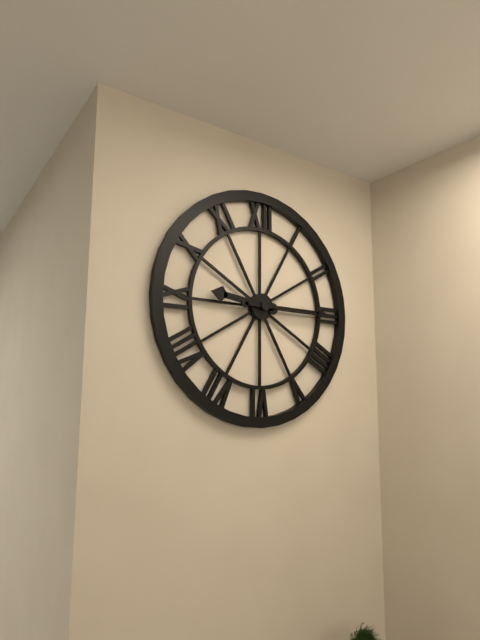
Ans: 9:15
